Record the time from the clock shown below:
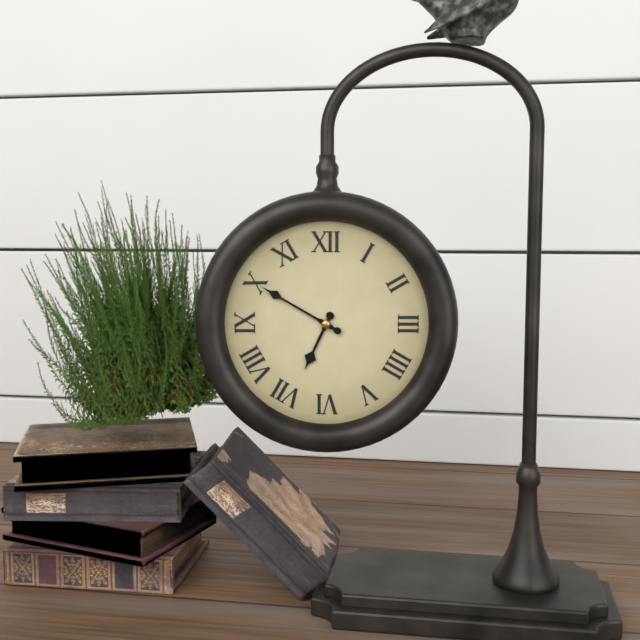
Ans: 6:50
